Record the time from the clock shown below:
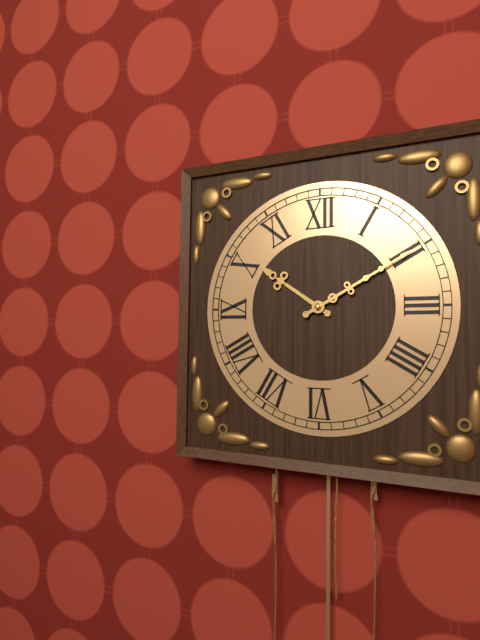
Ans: 10:10
